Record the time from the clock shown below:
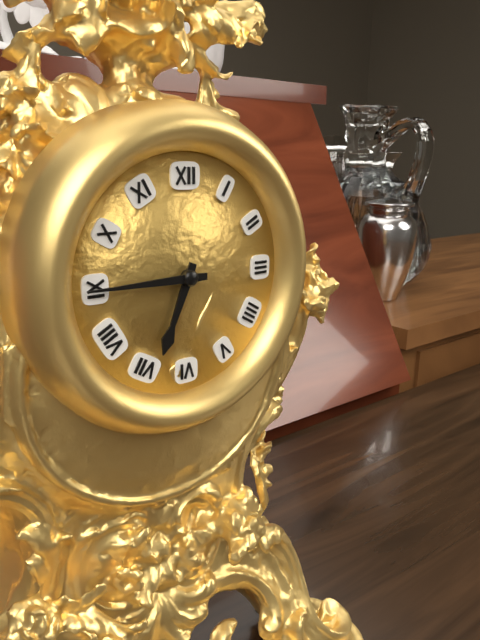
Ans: 6:45
